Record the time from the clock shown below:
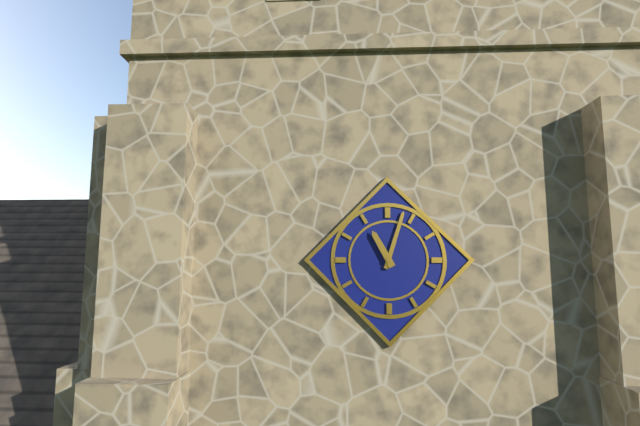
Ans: 11:03
